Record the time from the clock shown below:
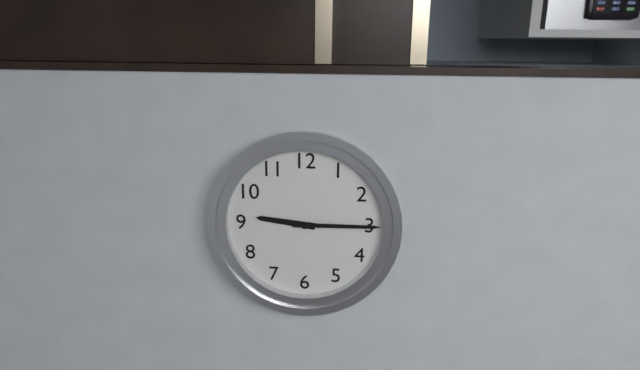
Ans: 9:15
